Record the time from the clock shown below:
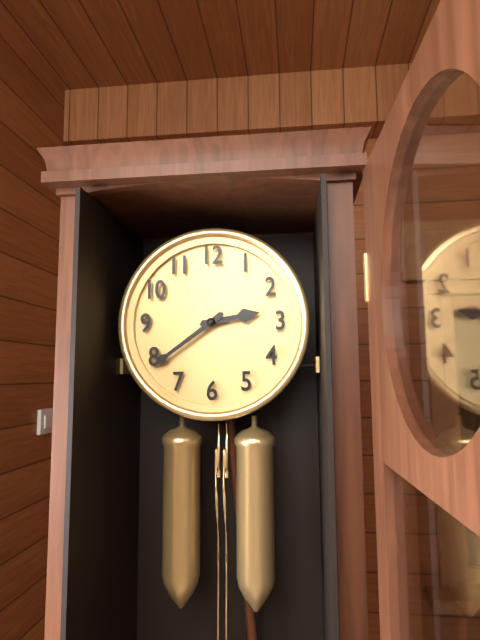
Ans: 2:39
